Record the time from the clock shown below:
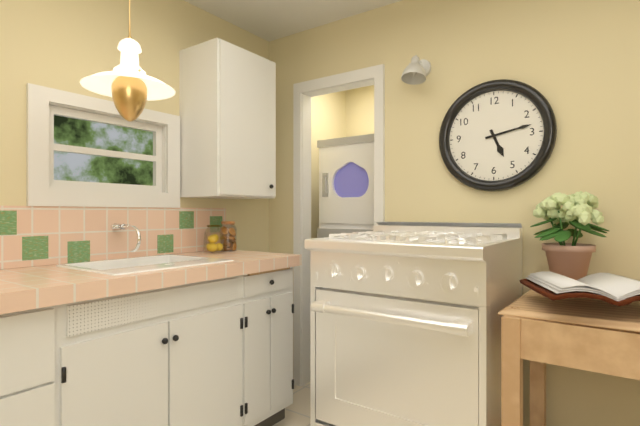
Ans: 5:13
